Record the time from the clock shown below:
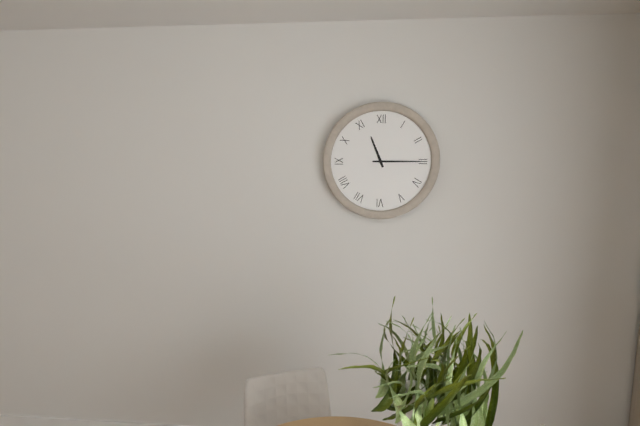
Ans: 11:15
